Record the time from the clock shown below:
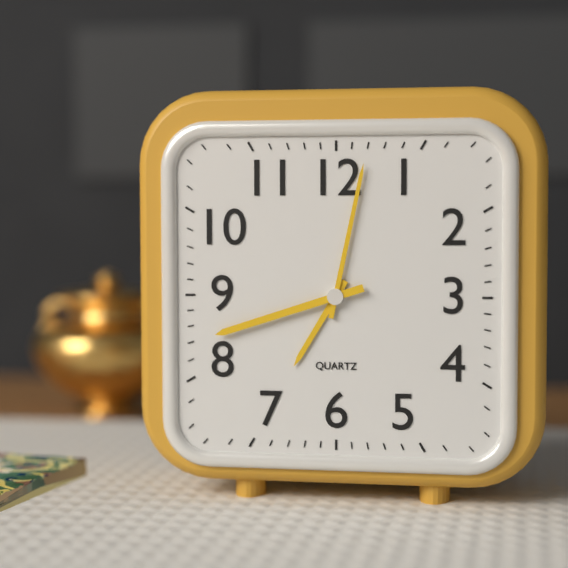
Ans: 7:02:42
